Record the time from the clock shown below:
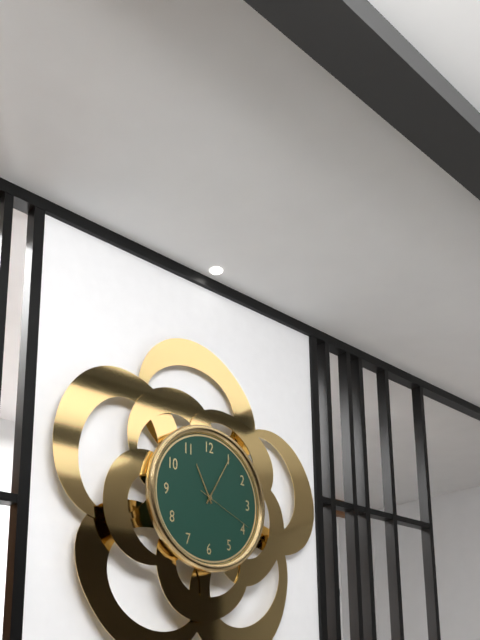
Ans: 11:05:19
